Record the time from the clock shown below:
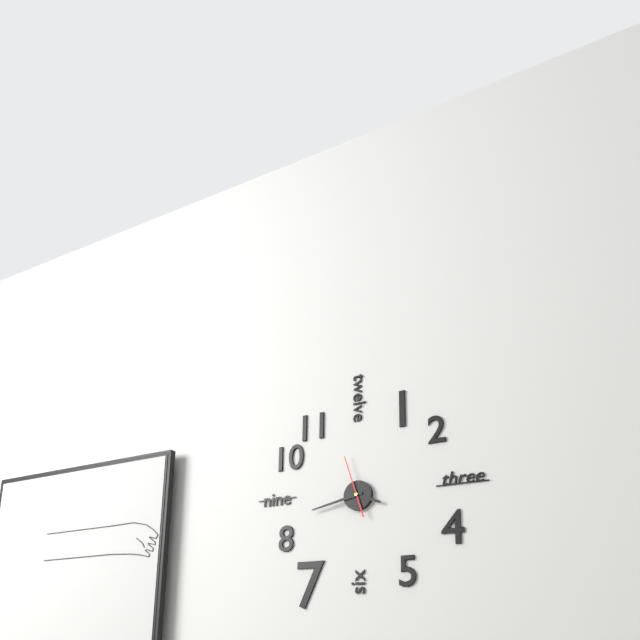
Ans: 3:43:57
